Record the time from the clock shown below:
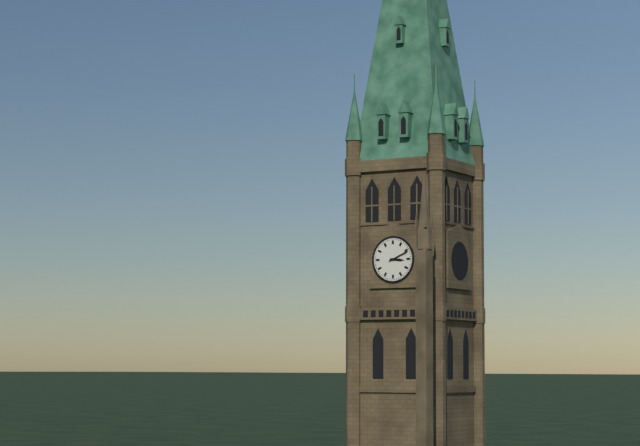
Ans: 3:11
